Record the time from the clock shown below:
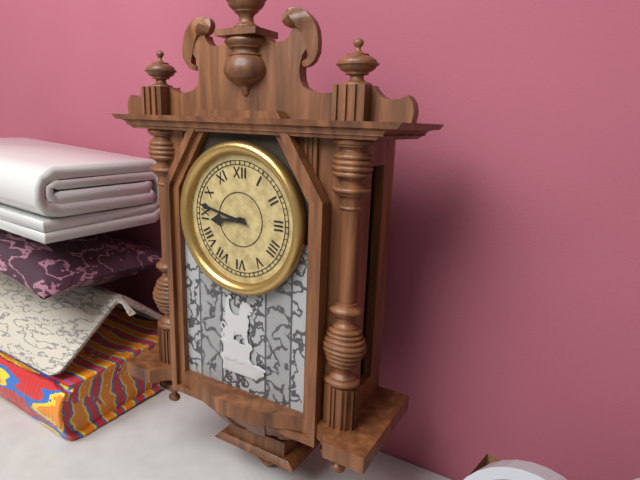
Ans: 8:47
